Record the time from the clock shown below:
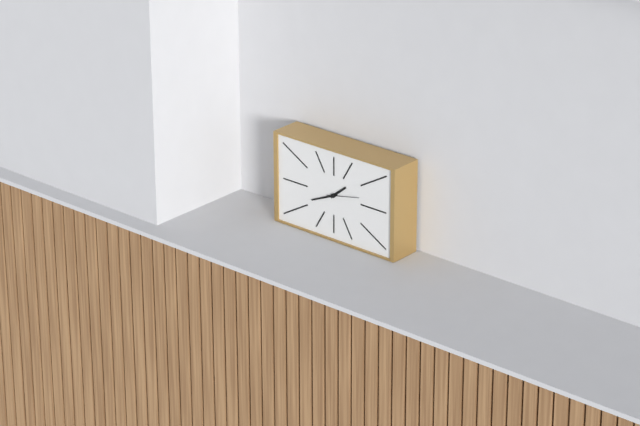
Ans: 1:41
